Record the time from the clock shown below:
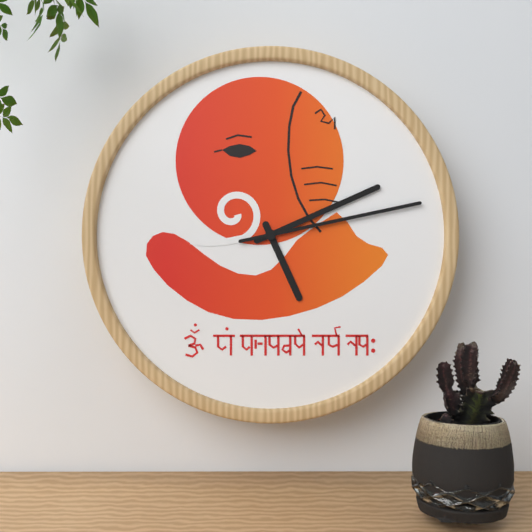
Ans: 5:11:13
